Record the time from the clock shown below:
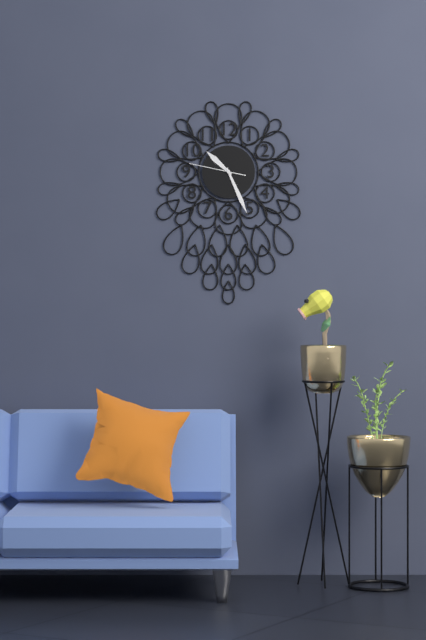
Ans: 10:26:47
